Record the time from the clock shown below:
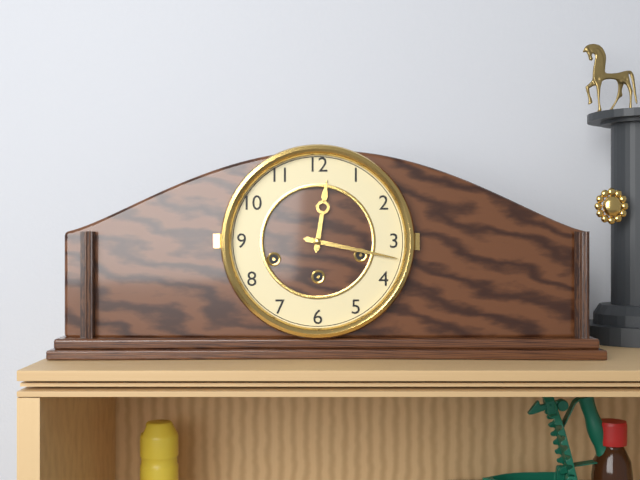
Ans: 12:17
